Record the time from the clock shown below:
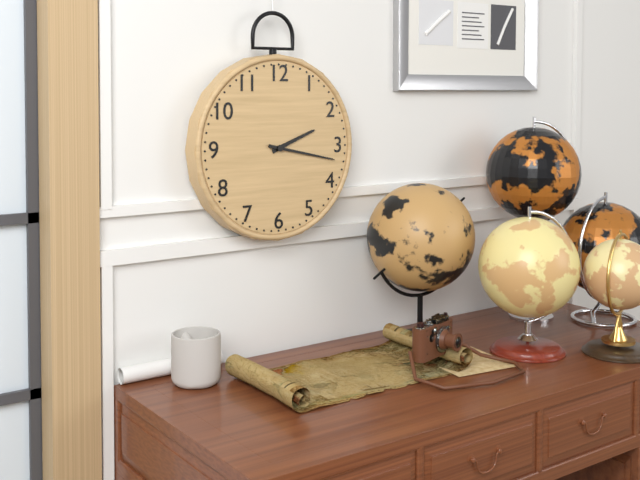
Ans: 2:17
